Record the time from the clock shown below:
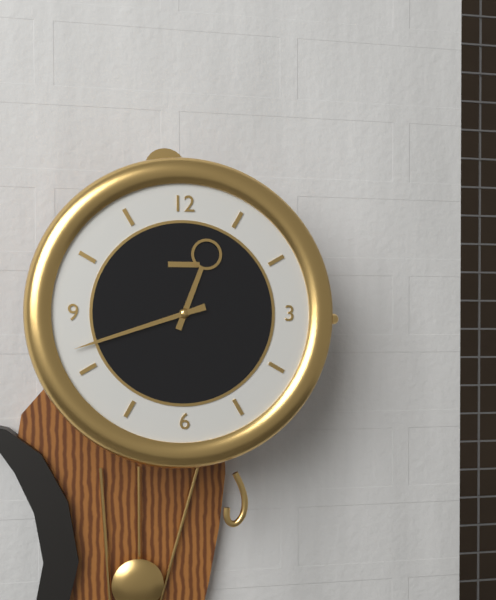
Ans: 12:42
